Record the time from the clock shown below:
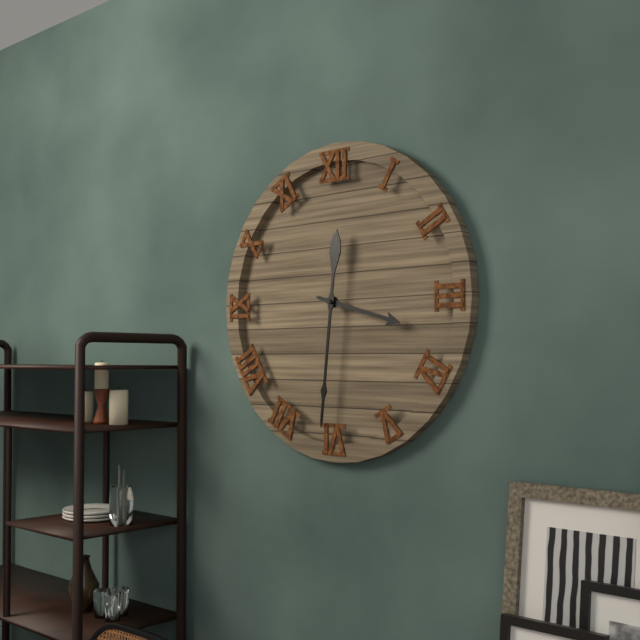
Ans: 3:31
